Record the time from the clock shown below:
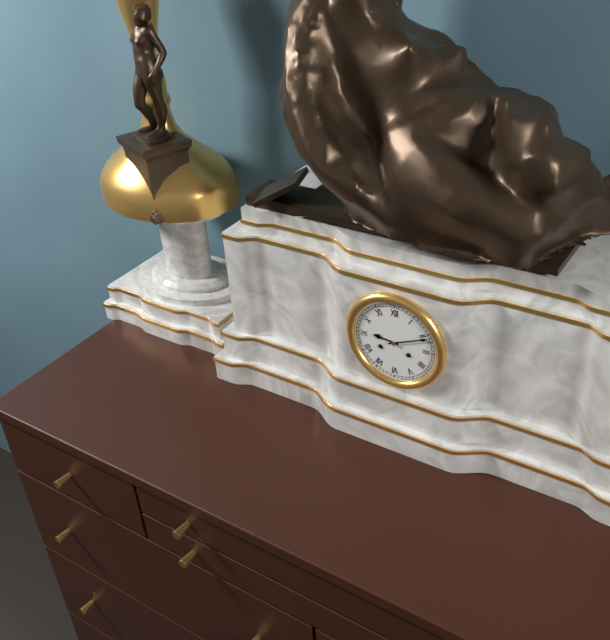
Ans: 9:11
